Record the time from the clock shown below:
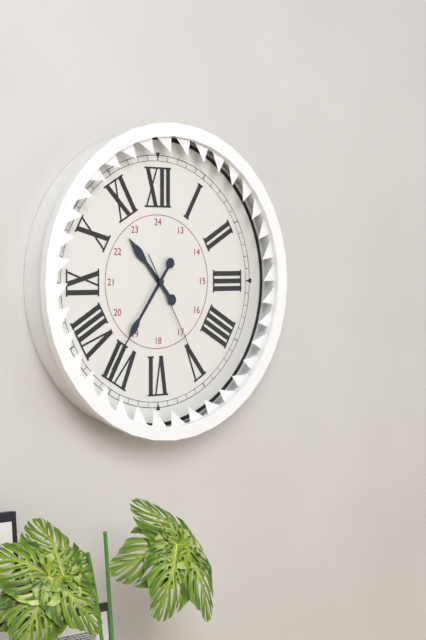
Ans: 10:36:25
